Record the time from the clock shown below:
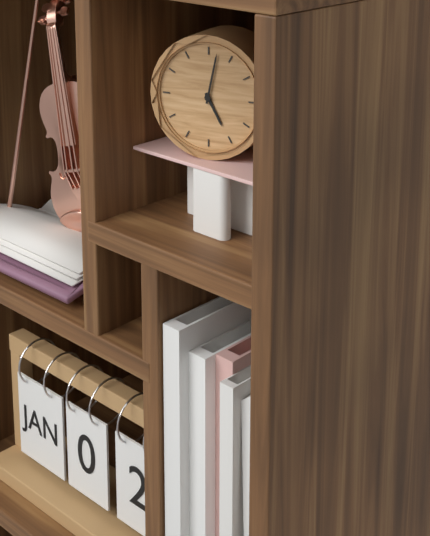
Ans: 5:02
